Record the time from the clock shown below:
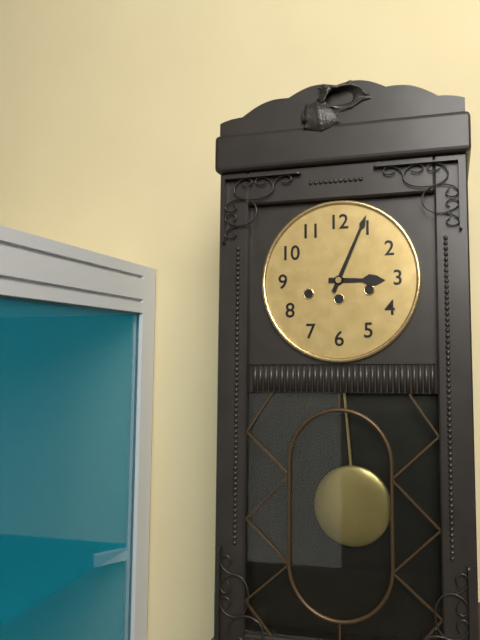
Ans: 3:04
